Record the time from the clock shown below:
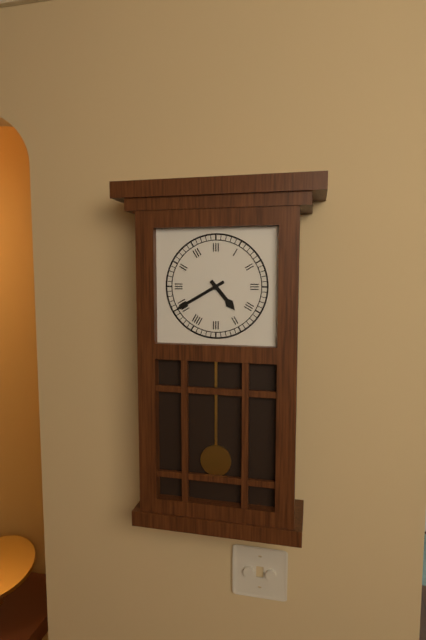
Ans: 4:40
